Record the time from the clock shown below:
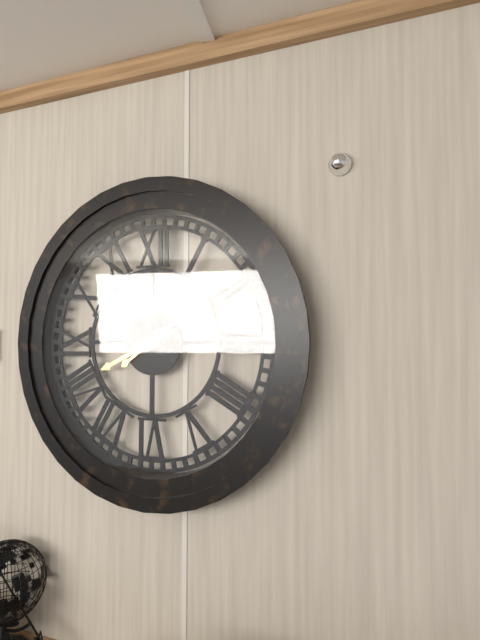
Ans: 8:09
